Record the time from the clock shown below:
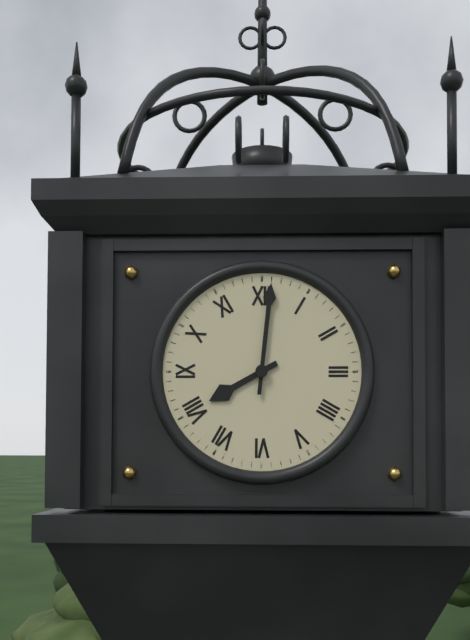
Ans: 8:01
